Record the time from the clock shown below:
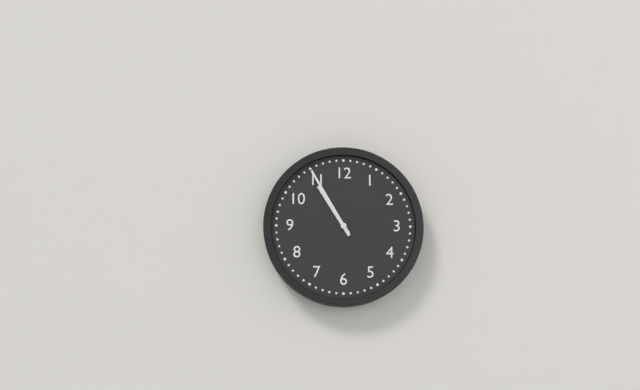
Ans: 10:55
